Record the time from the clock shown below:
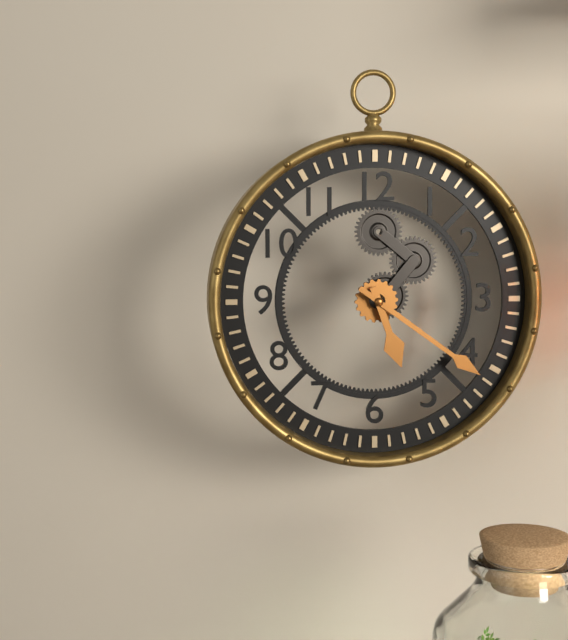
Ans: 5:21
